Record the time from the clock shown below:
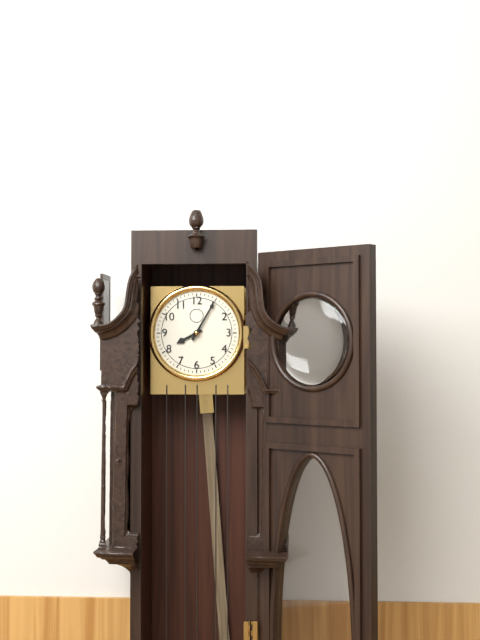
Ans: 8:05
